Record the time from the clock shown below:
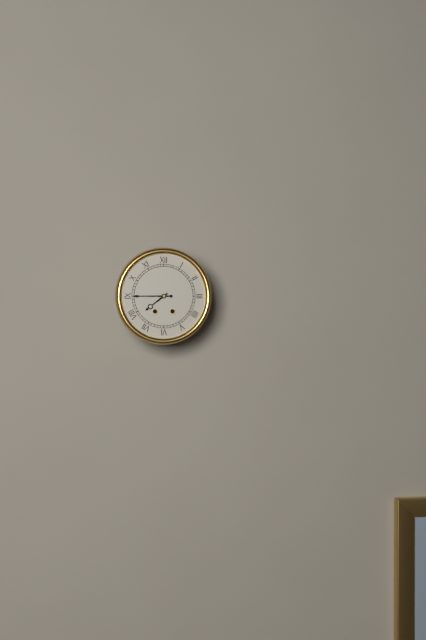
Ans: 7:45
